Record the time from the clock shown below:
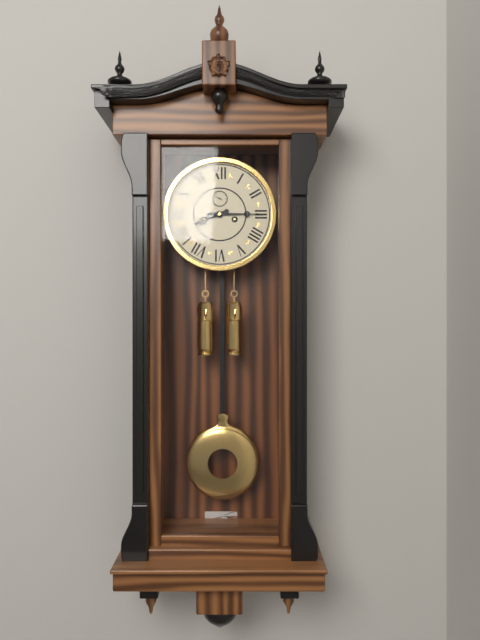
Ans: 8:15
